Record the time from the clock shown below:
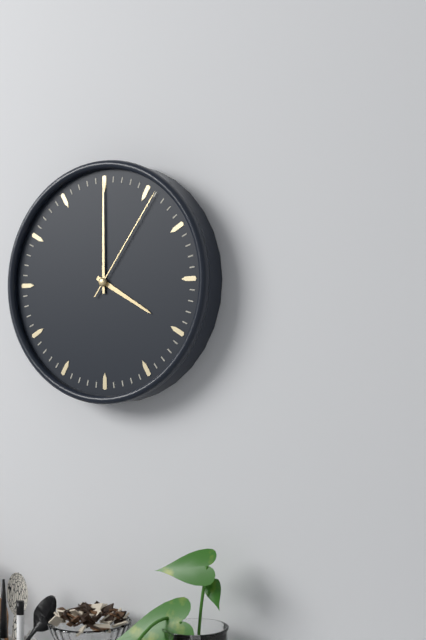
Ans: 4:00:06
